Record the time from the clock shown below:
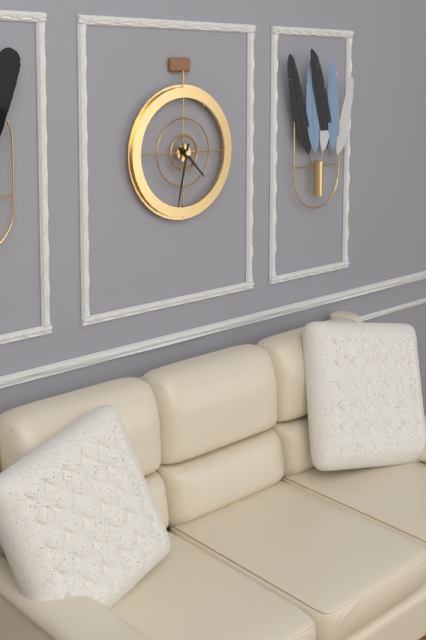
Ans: 4:32
